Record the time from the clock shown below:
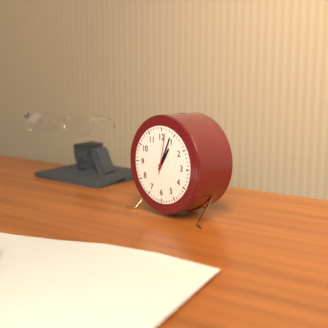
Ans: 1:04
